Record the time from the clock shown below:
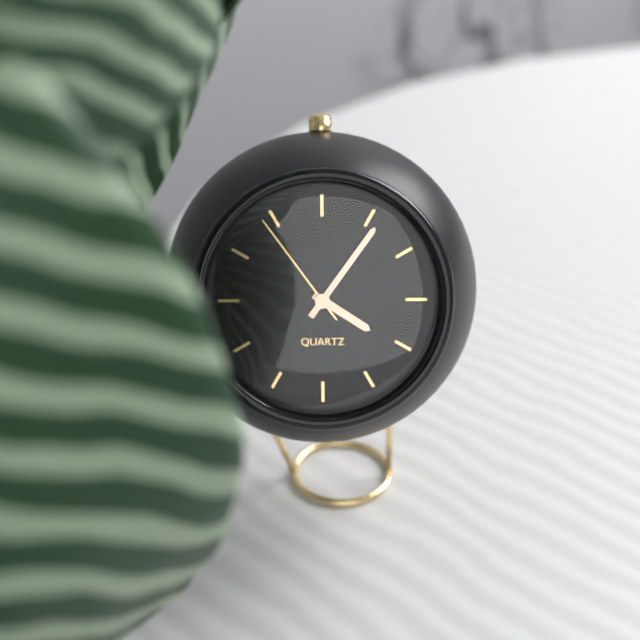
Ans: 4:06:54
